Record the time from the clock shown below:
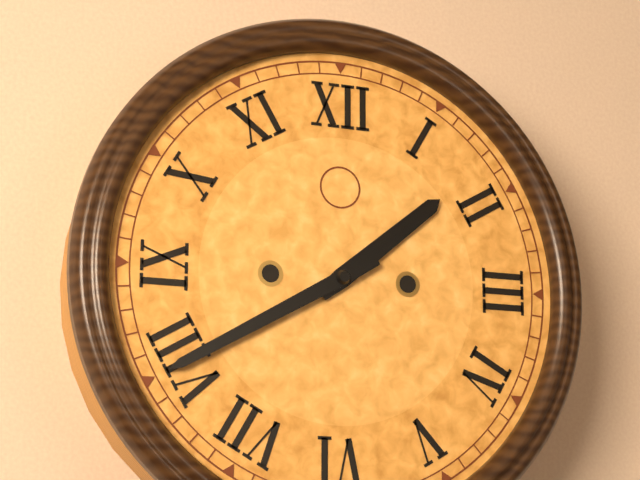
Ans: 1:40
